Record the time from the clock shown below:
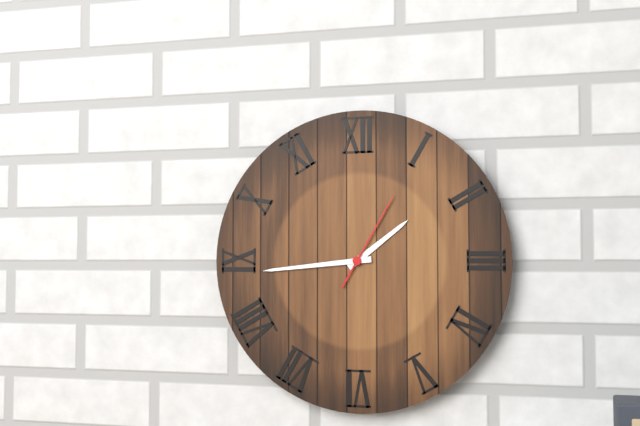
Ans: 1:44:05
